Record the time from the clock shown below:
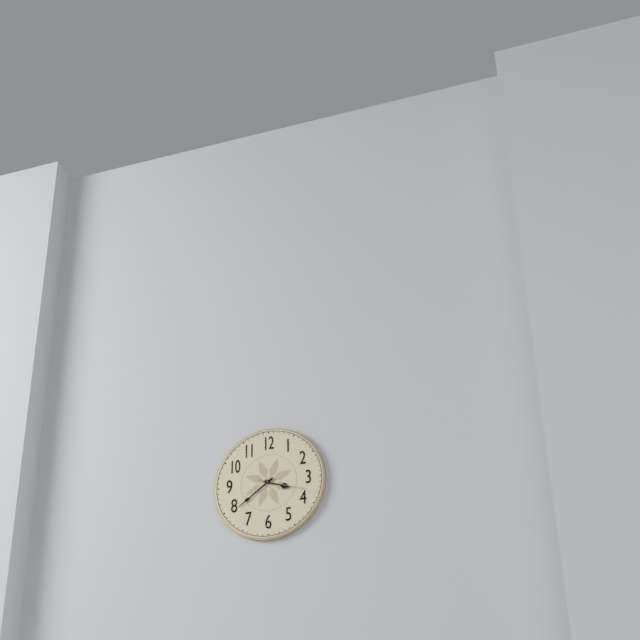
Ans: 3:39:18
